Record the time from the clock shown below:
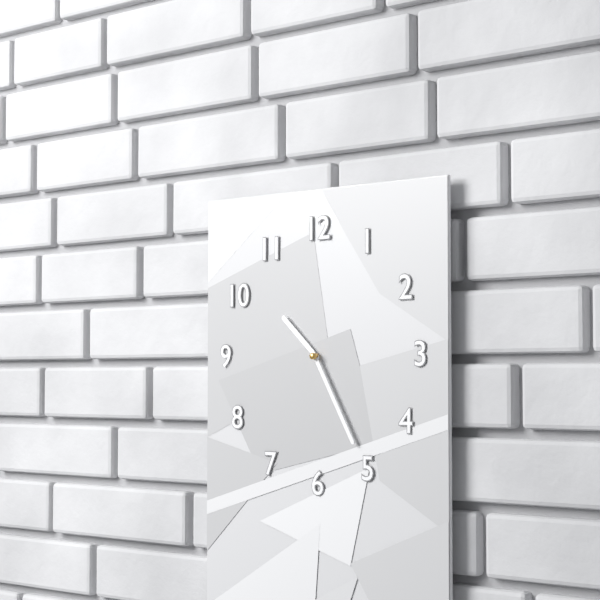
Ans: 10:25
